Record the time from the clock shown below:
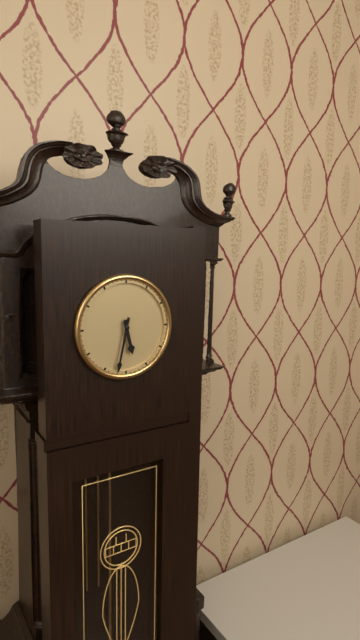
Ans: 5:32
